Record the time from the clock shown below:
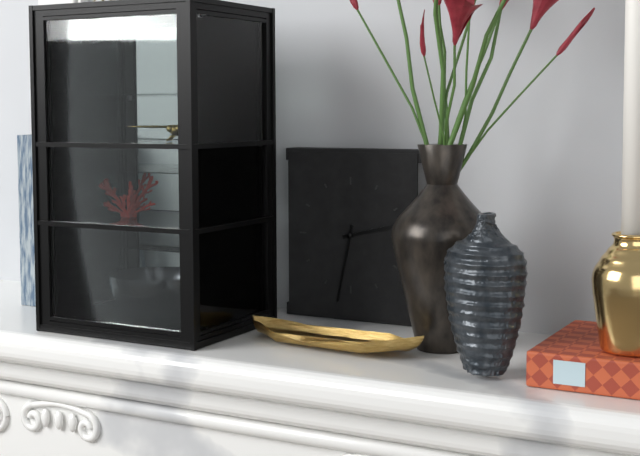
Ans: 2:32
